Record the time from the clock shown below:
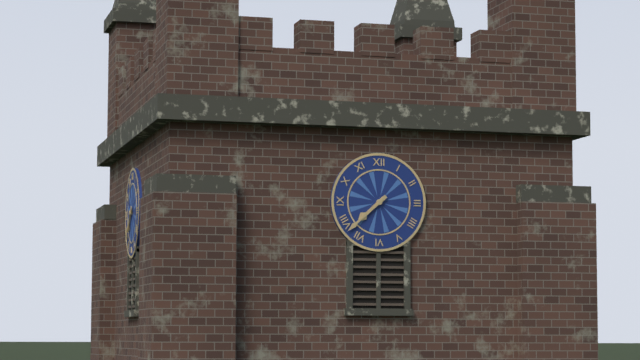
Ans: 7:38
